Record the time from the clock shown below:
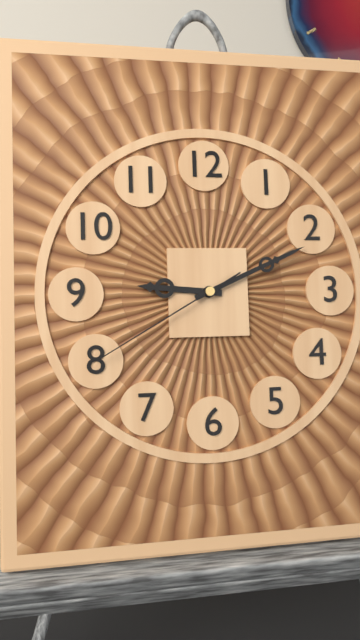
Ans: 9:11:40
